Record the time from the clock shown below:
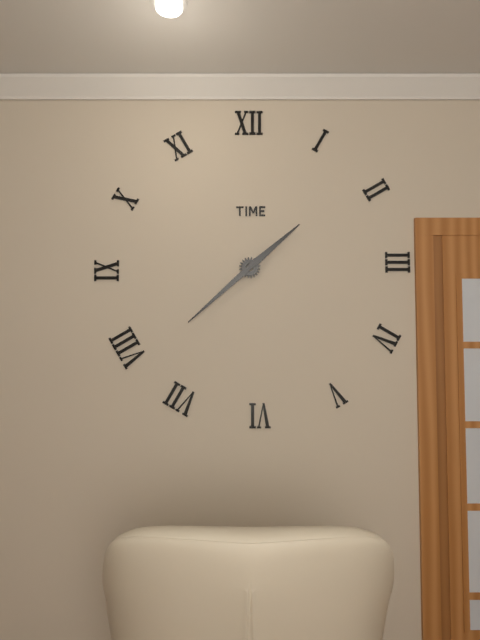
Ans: 1:38
